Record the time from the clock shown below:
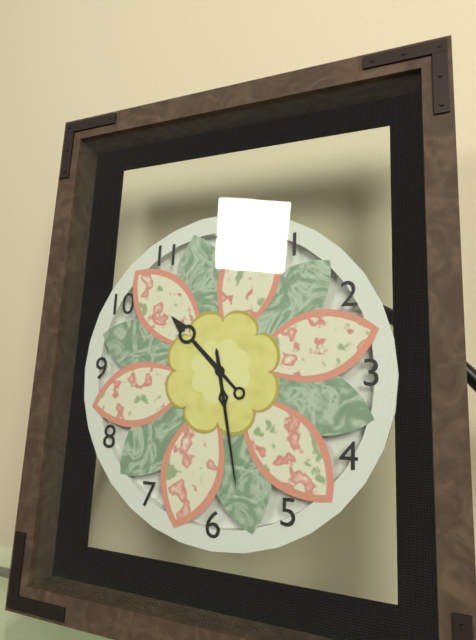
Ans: 10:28
